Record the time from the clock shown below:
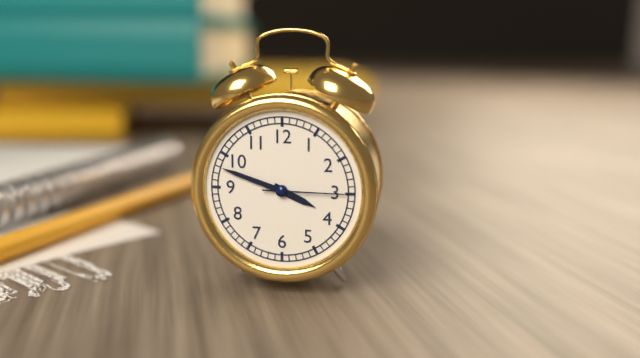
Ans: 3:48:15
